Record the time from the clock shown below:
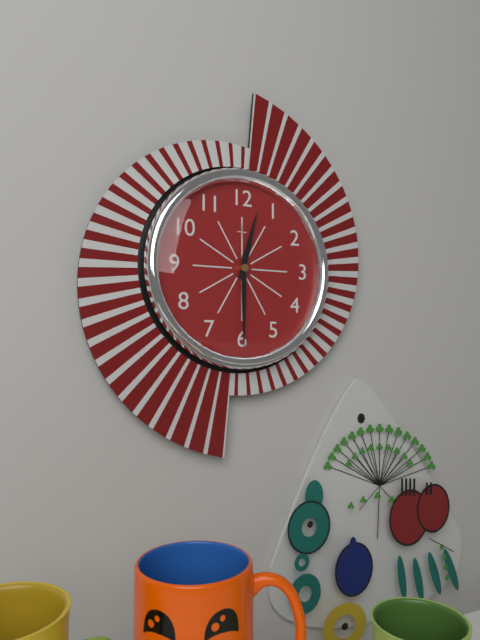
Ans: 12:30
